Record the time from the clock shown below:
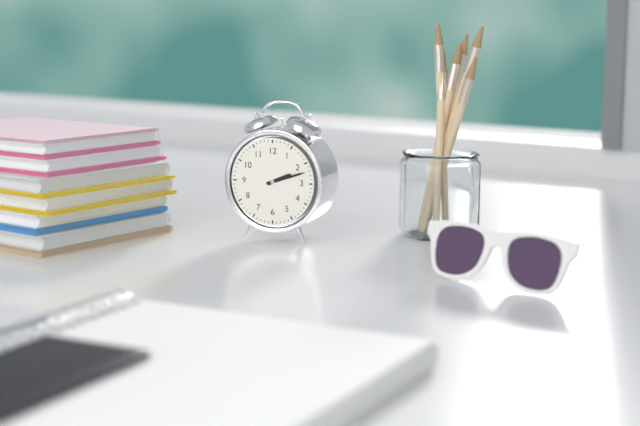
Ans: 2:12
